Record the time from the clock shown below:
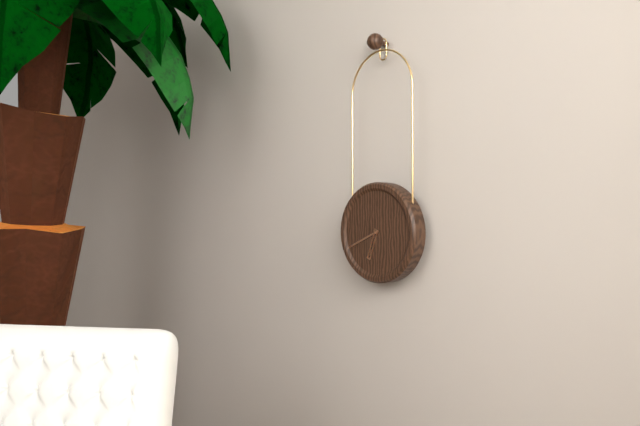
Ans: 6:41
